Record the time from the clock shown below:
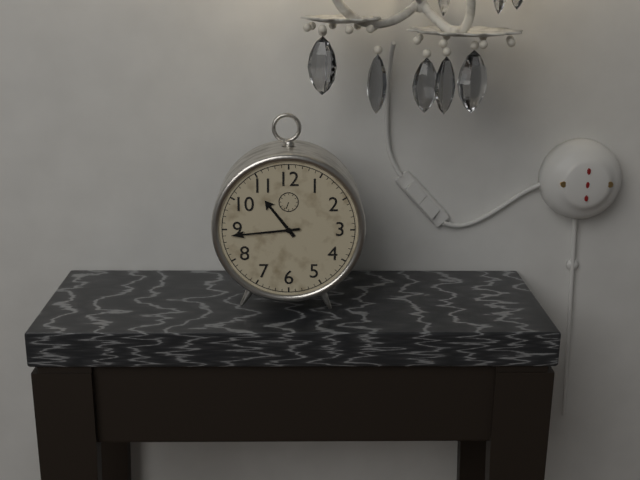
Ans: 10:44
